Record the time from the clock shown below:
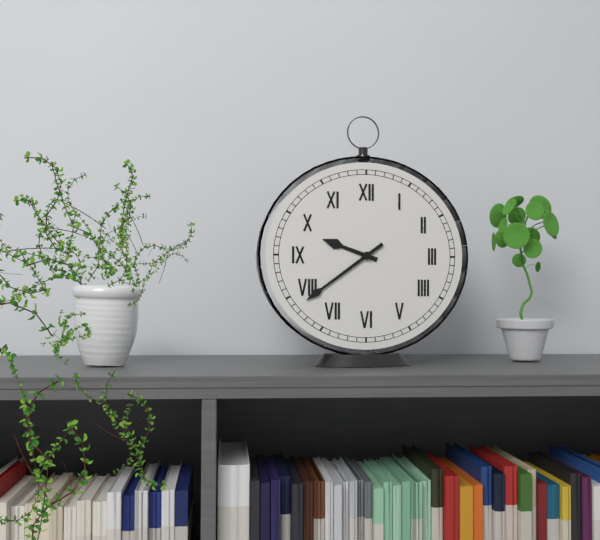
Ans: 9:39
